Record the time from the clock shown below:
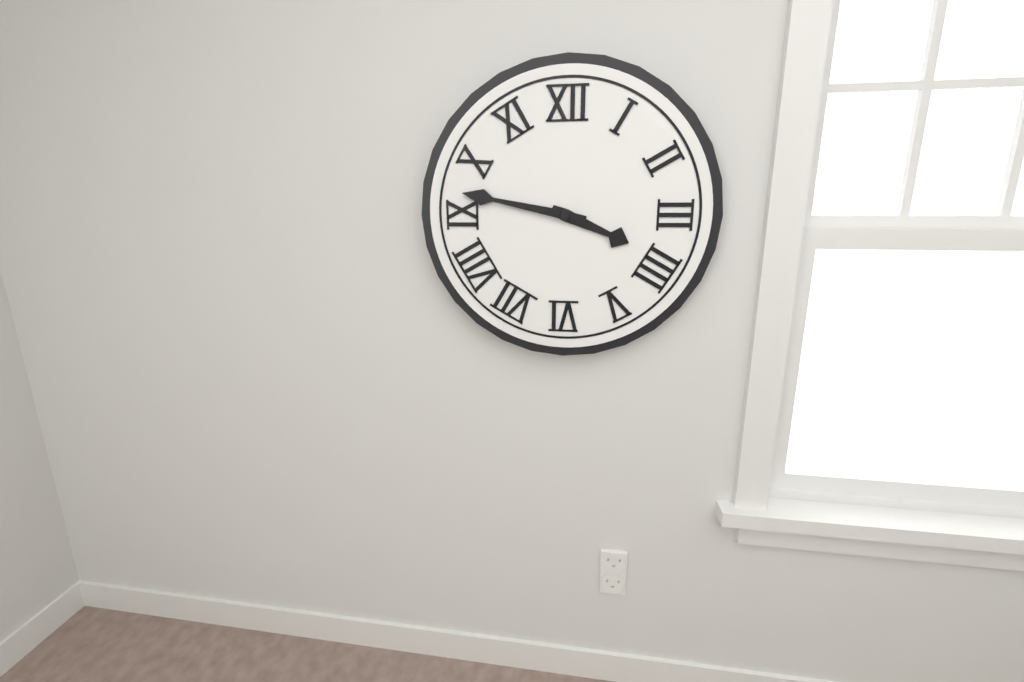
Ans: 3:47
